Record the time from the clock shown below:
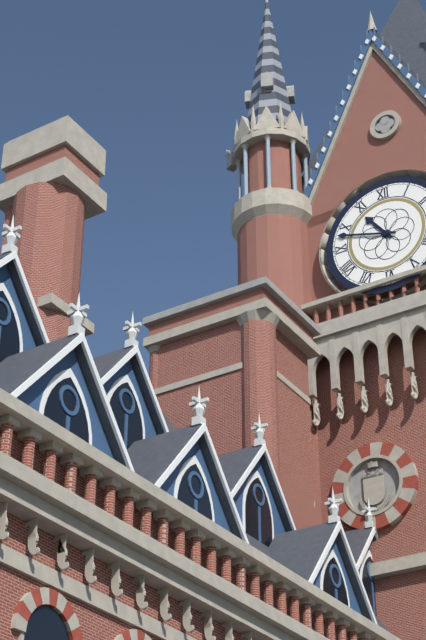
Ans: 10:48
